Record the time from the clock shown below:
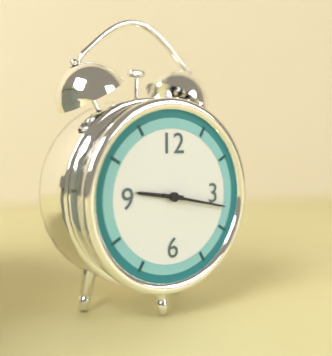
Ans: 9:17
